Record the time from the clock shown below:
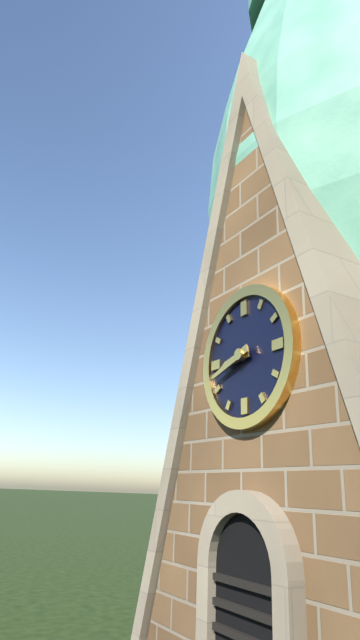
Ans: 8:42
